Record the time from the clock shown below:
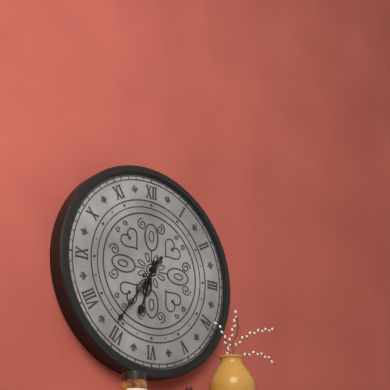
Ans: 6:36
